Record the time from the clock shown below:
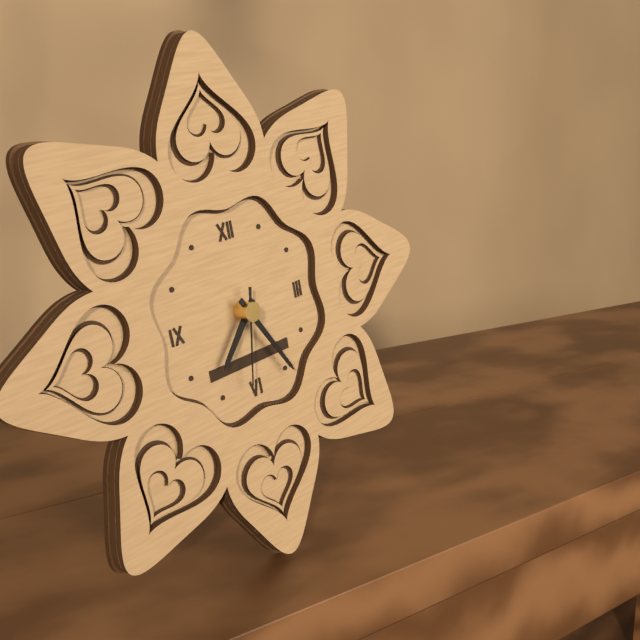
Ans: 7:25:32
